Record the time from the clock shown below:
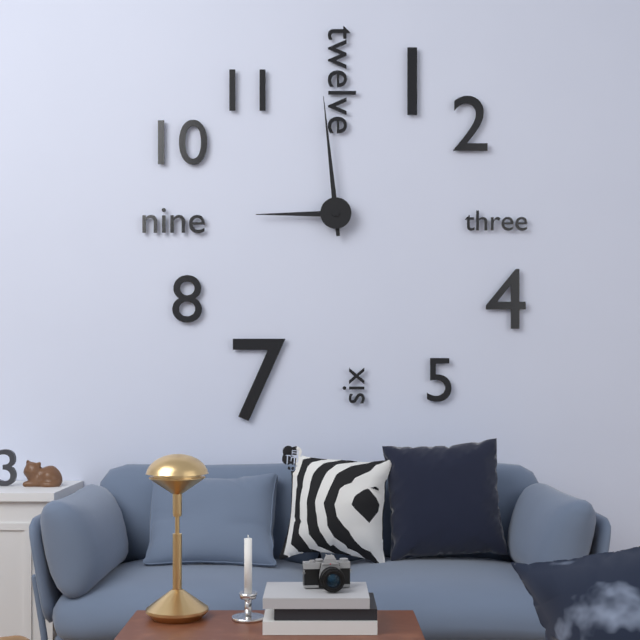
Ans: 8:59
